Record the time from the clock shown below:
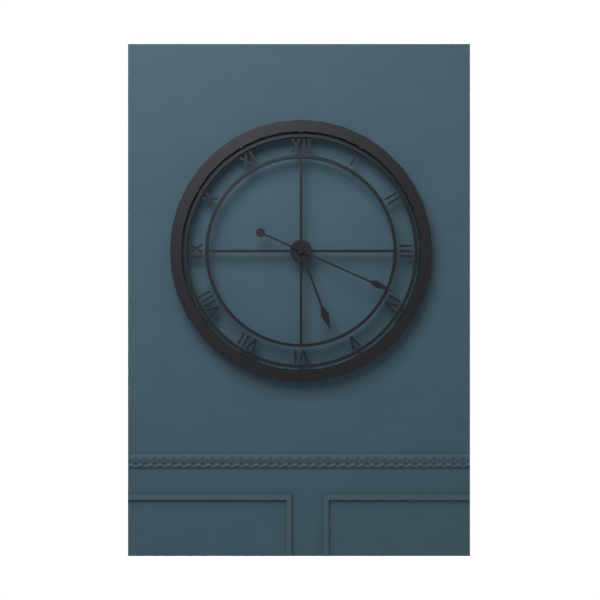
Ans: 5:19
